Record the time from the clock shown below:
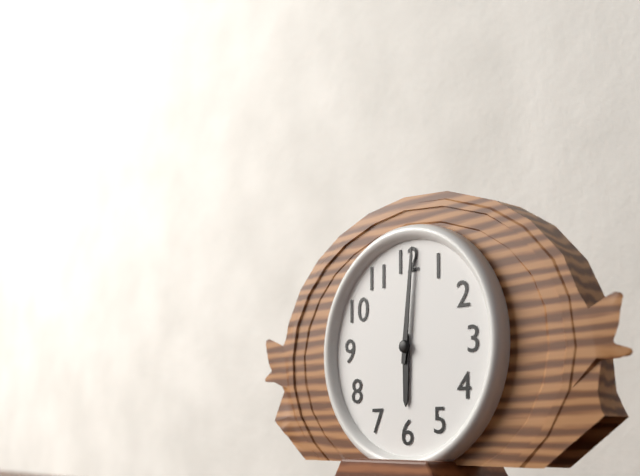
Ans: 6:01
